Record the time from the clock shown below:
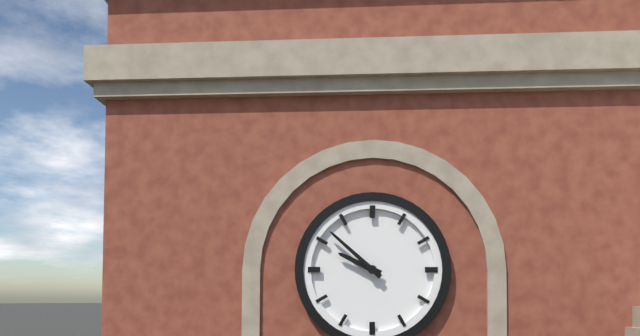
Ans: 9:52
